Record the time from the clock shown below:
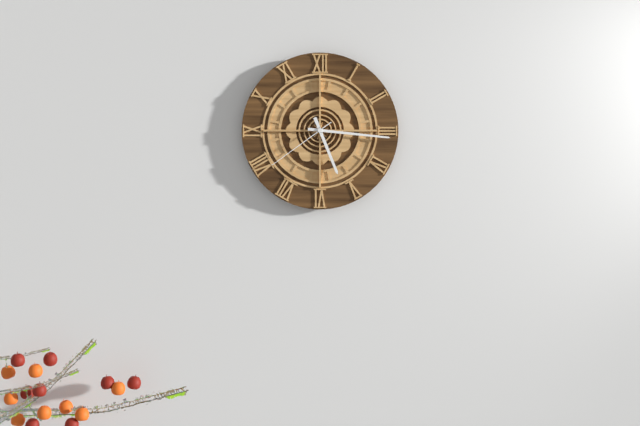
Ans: 5:16:39
